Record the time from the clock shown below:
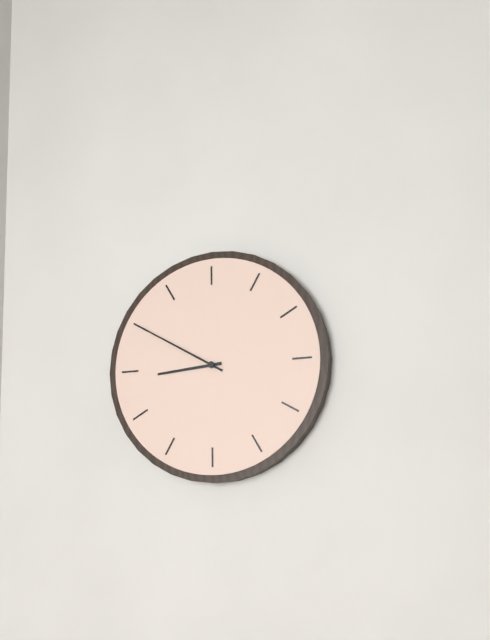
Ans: 8:50
